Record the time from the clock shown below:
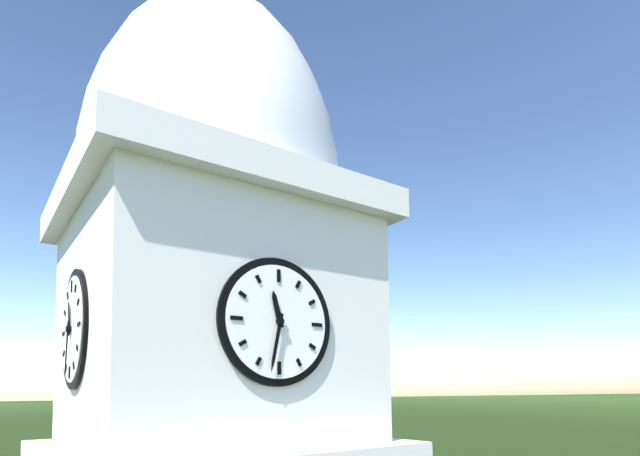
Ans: 11:32
